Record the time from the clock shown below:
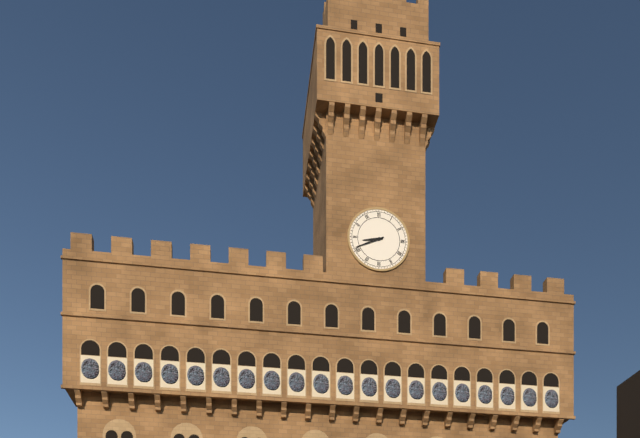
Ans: 8:41
